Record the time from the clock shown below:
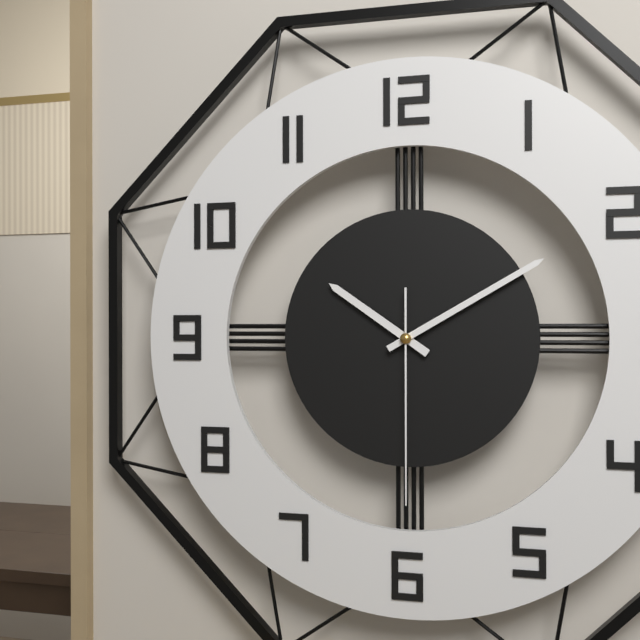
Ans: 10:10:30
